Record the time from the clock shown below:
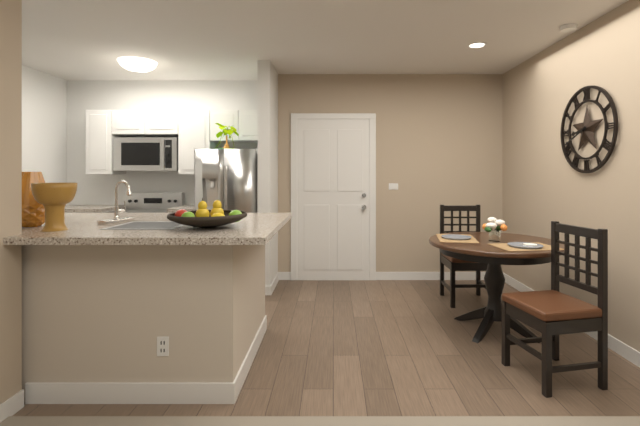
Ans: 8:41
